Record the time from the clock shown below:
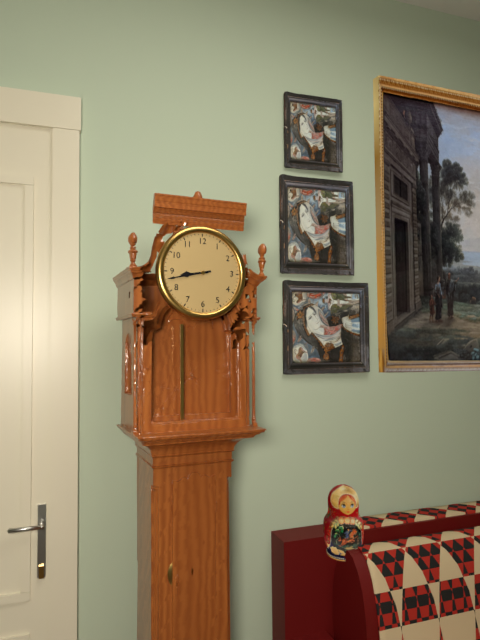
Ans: 8:43
